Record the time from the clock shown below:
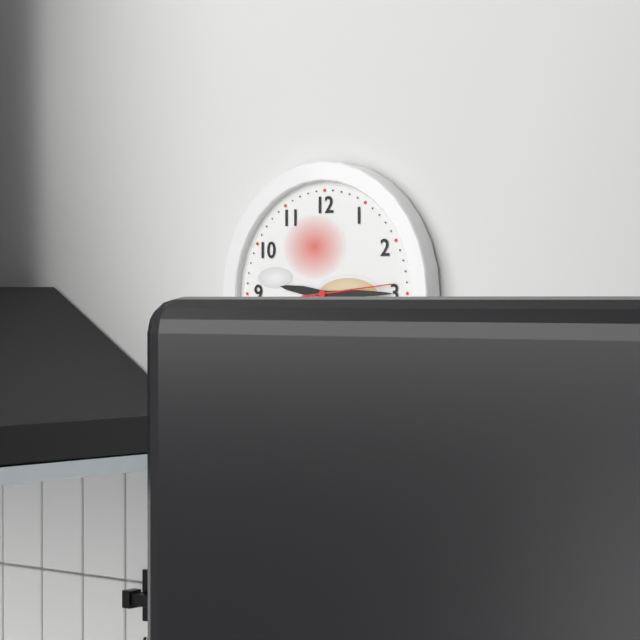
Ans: 9:15:14
